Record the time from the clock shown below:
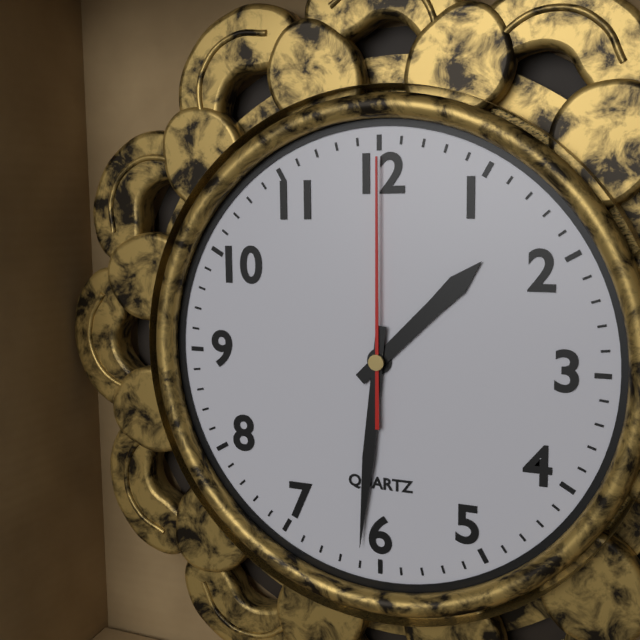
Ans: 1:31:00
